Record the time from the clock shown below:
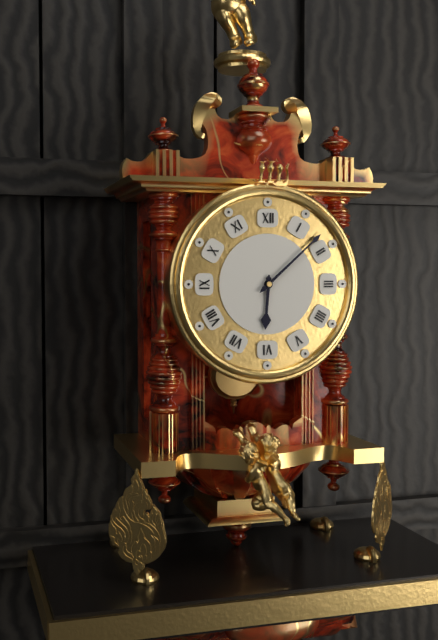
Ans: 6:08
